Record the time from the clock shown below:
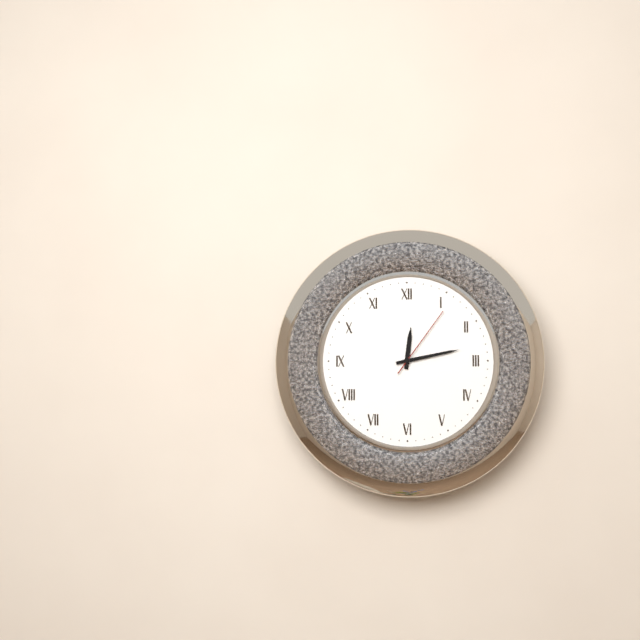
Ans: 12:13:06
